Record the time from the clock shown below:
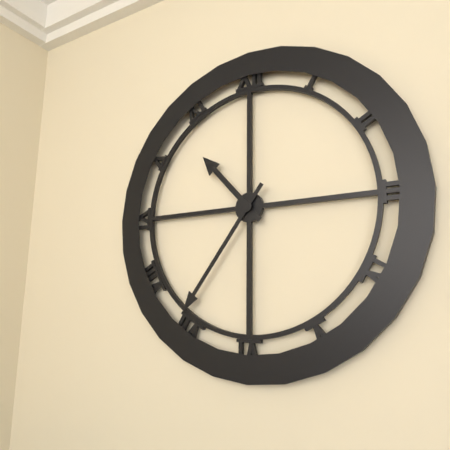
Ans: 10:36
